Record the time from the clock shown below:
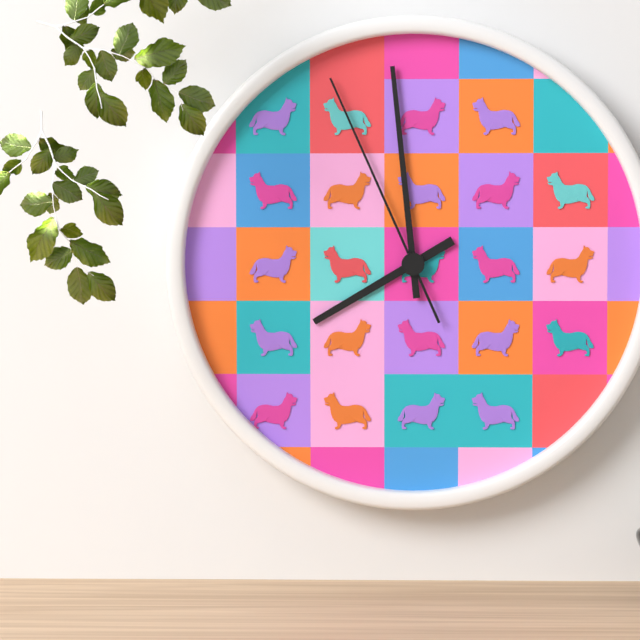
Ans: 7:59:56
